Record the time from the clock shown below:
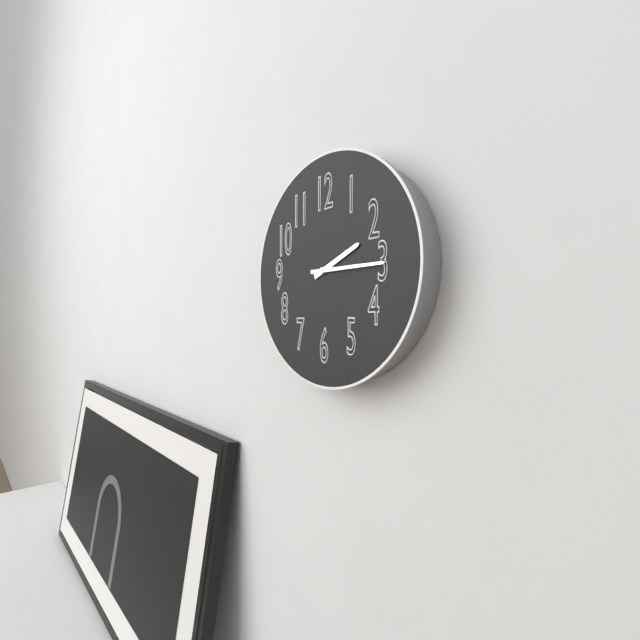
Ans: 2:15
